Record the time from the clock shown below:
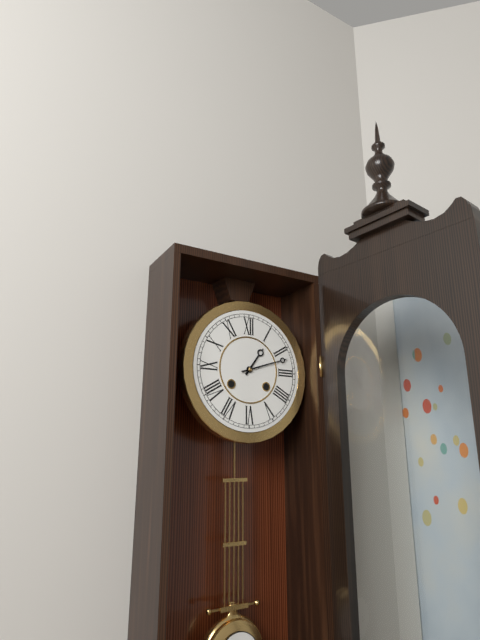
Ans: 1:12
